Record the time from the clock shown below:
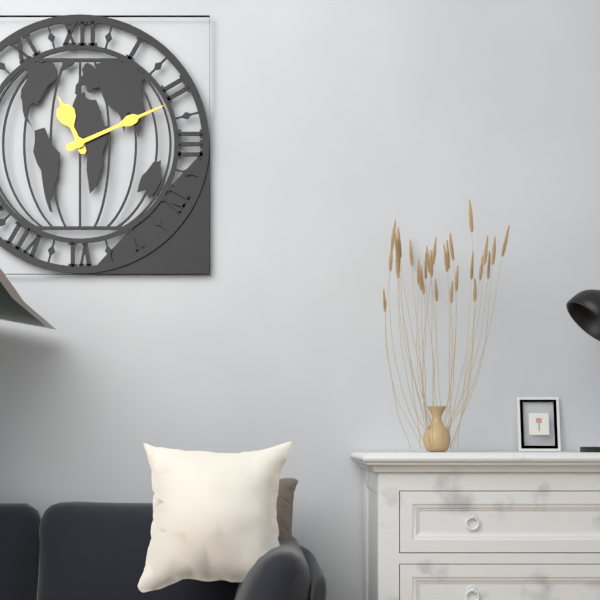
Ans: 11:11
